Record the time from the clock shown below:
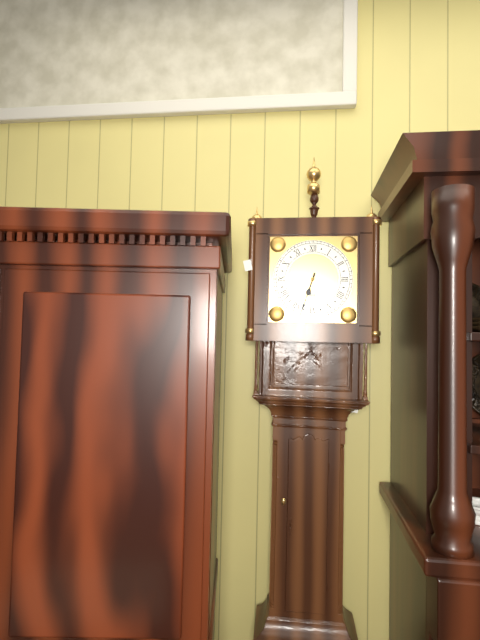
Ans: 6:33
